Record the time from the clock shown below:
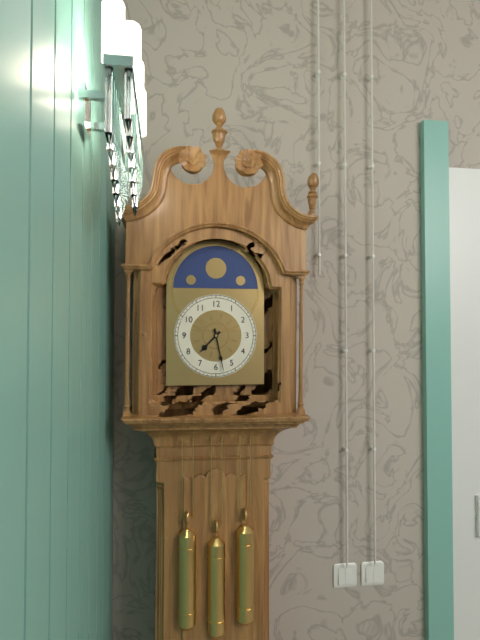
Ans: 7:28
